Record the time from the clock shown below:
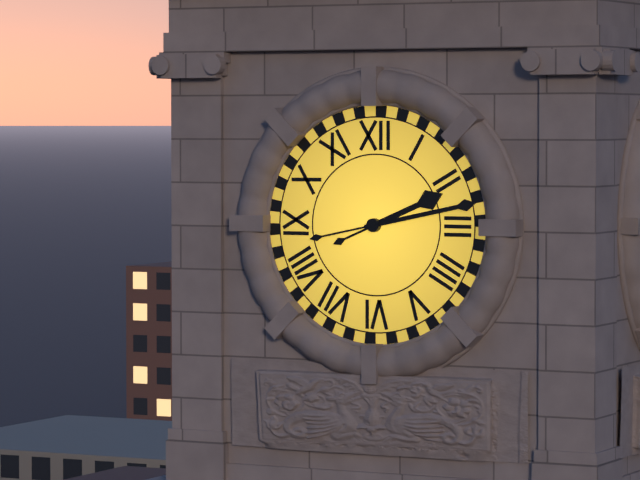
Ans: 2:13
